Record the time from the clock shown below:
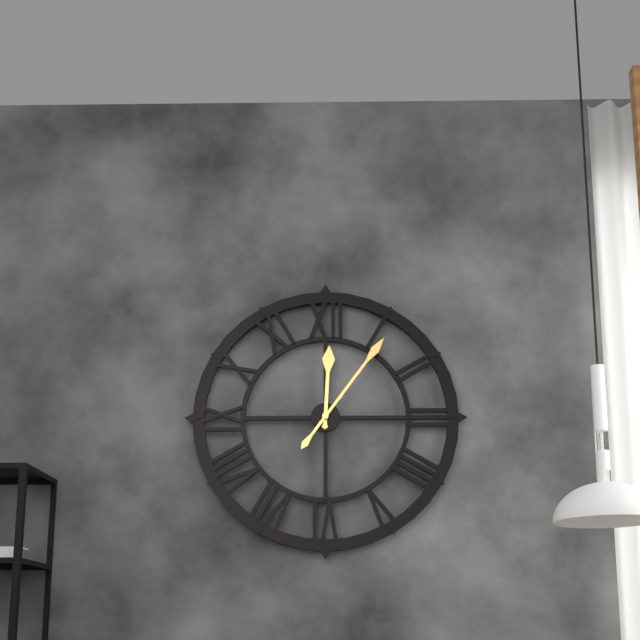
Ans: 12:06
